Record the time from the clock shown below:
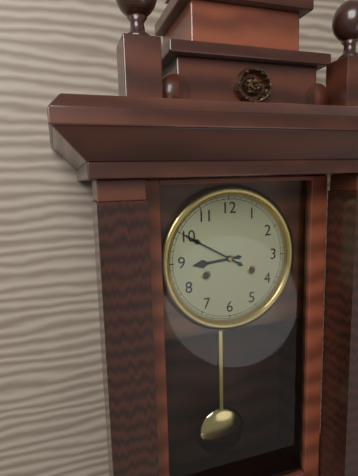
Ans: 8:50
